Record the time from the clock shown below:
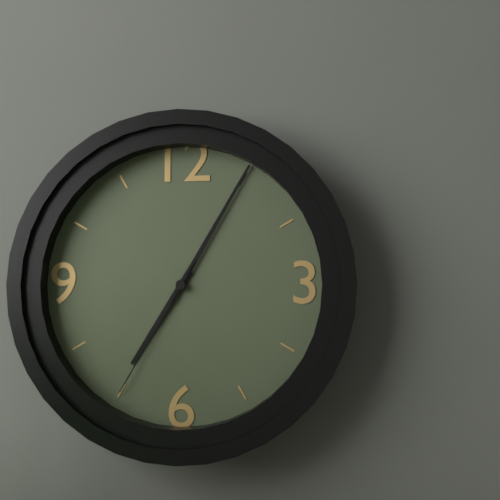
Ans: 7:05:35
